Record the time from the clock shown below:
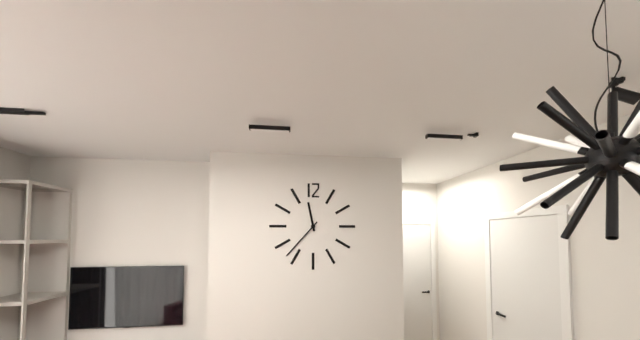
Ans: 11:37
